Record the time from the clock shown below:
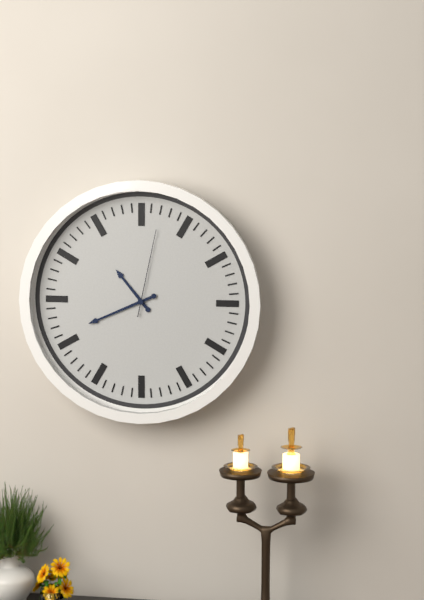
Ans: 10:41:02
